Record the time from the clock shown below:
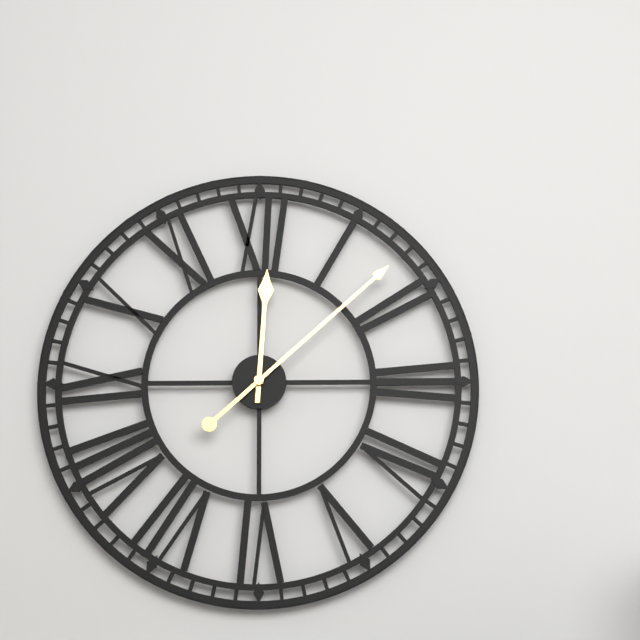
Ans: 12:08
